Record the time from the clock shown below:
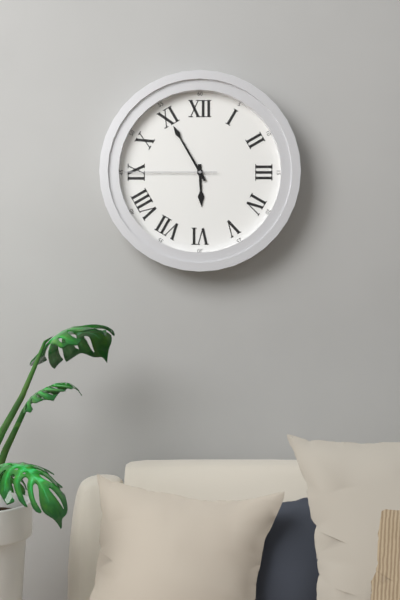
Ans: 5:55:45
